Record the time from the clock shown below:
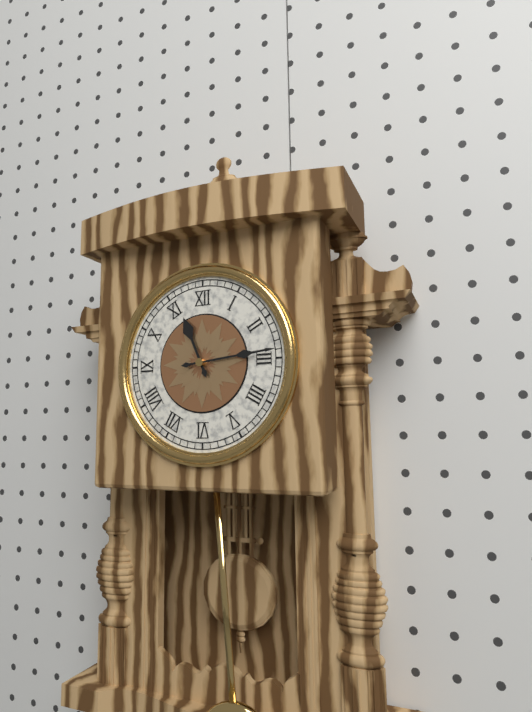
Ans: 11:14
